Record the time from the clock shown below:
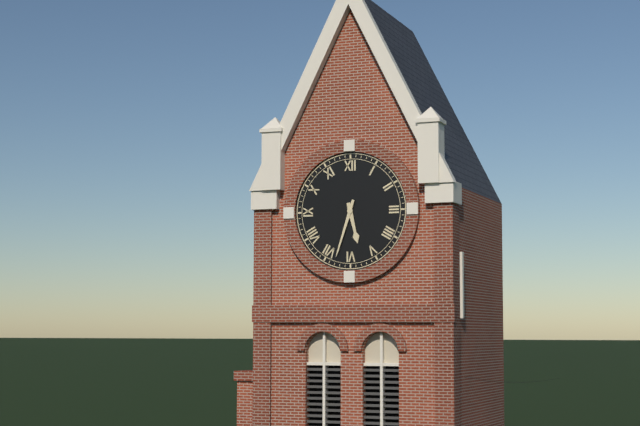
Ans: 5:33
